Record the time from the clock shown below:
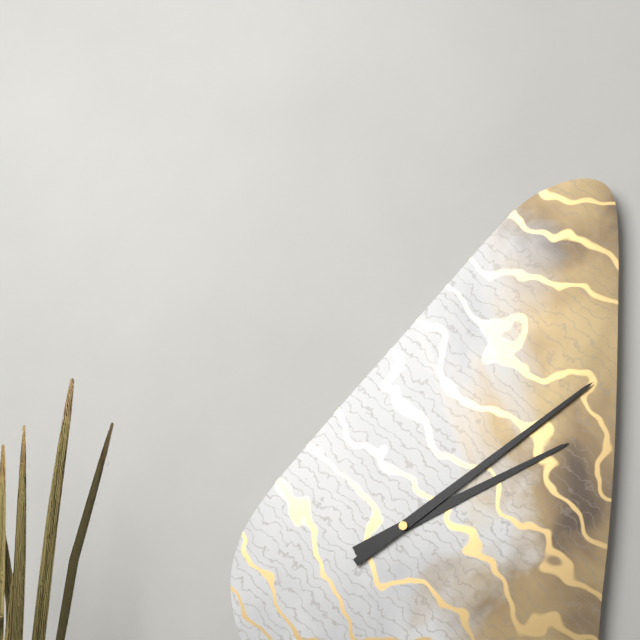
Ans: 2:09
